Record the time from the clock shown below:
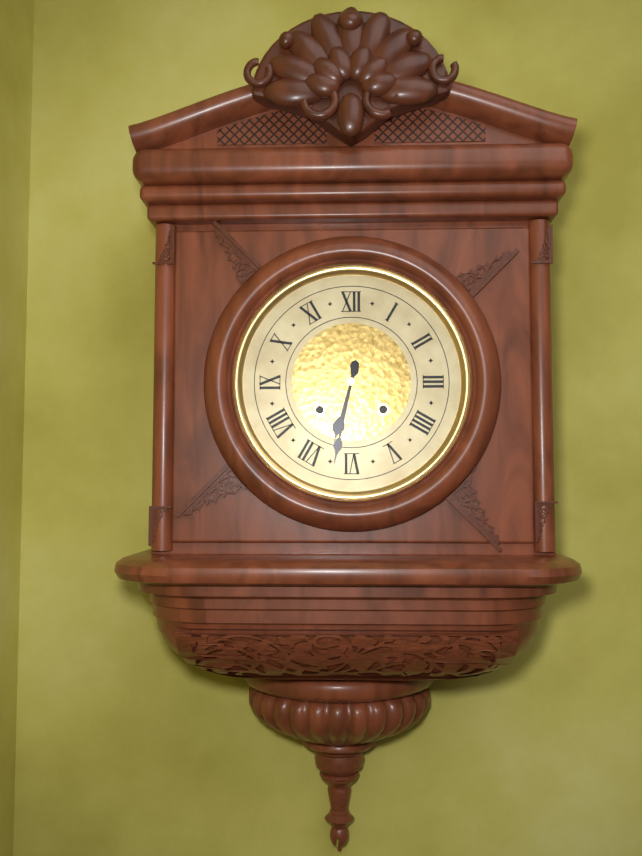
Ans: 6:32
